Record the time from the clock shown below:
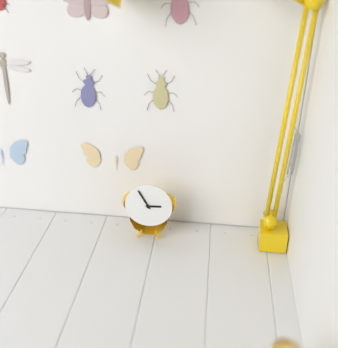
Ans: 2:55
